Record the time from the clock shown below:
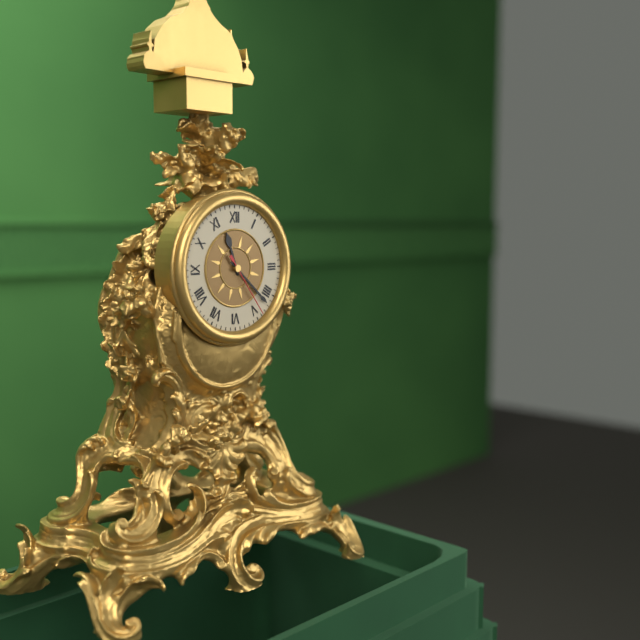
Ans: 11:22:24
